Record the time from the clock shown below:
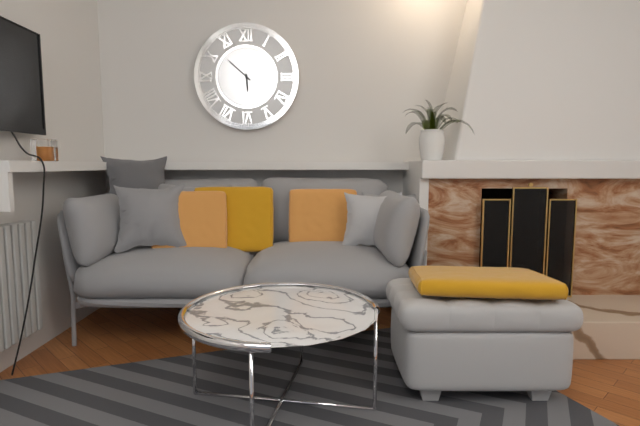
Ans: 5:52
